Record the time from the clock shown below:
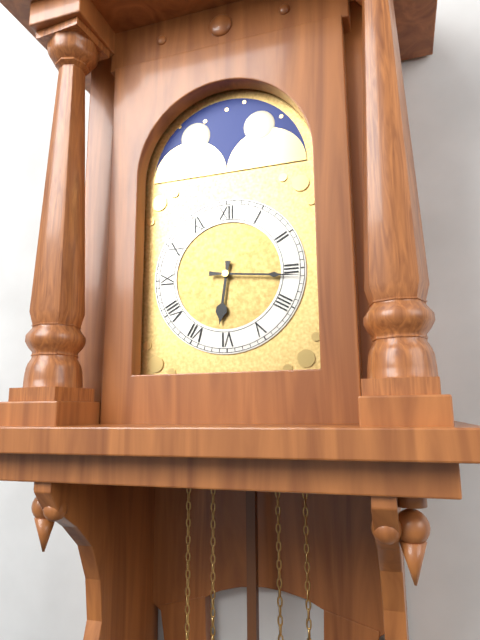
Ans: 6:16
